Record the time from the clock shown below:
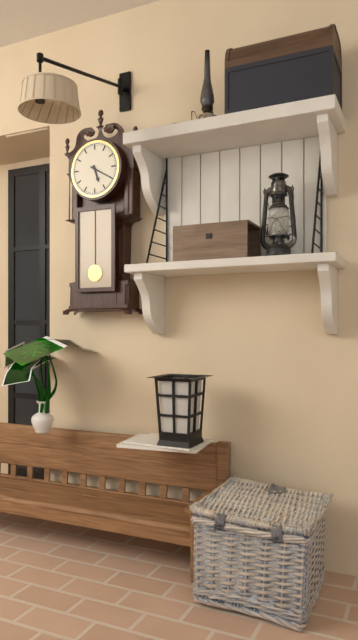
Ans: 5:20
